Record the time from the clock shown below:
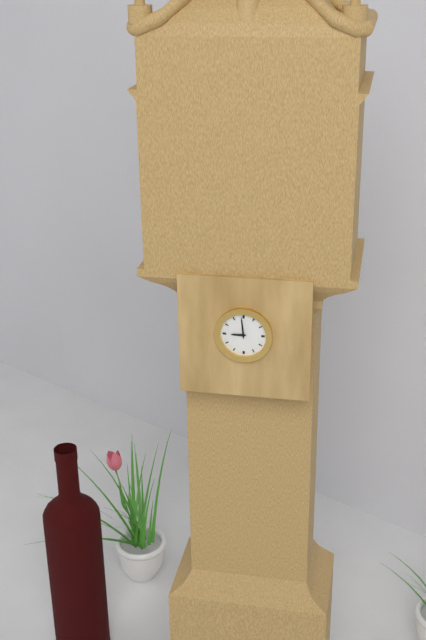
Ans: 8:59
